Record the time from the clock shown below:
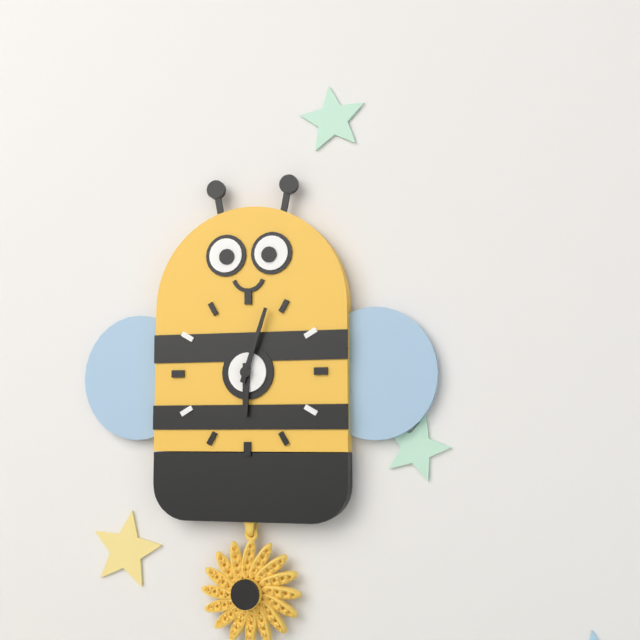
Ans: 6:03
